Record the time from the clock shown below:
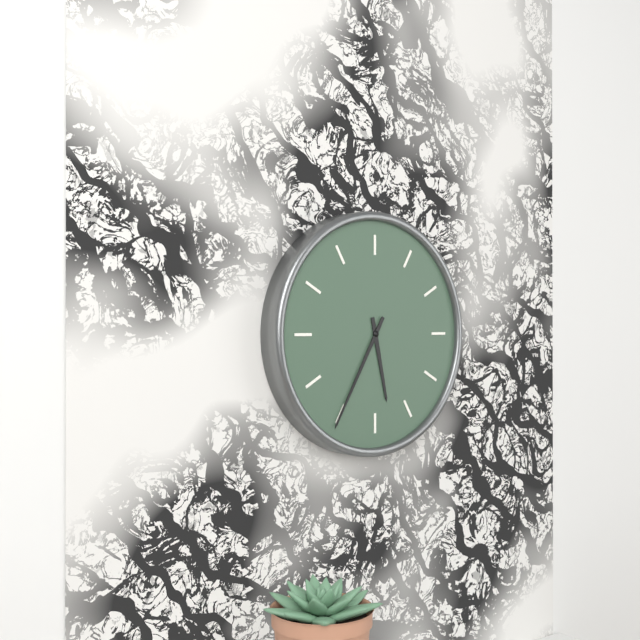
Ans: 5:35
